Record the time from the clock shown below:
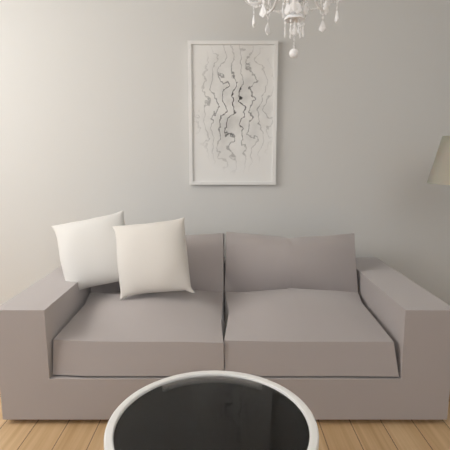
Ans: 11:16
